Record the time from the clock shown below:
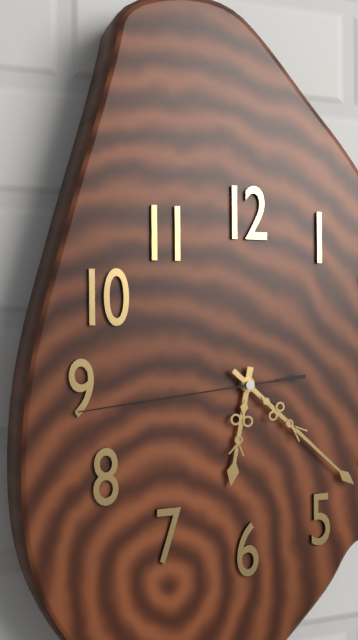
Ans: 6:22:44
